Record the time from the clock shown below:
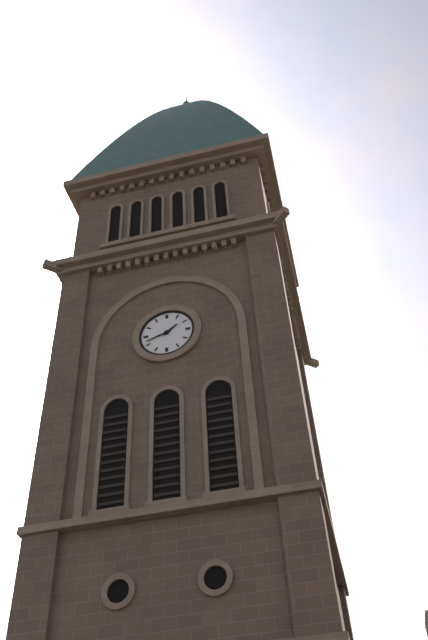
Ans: 1:42
